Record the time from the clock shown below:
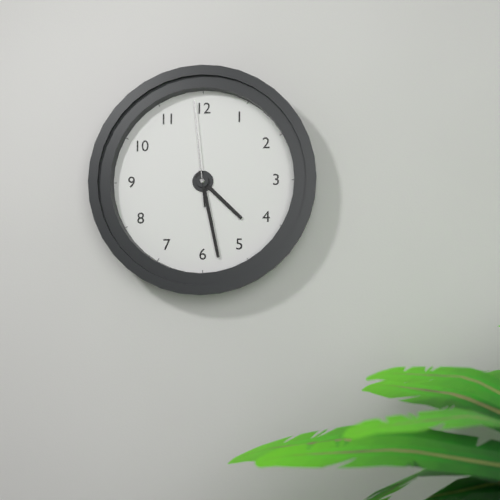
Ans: 4:28:59
